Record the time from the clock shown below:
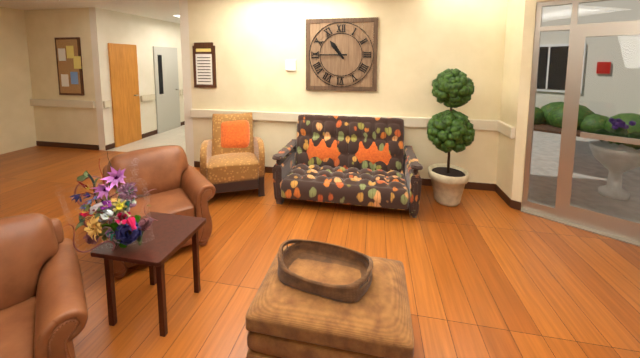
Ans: 10:45
